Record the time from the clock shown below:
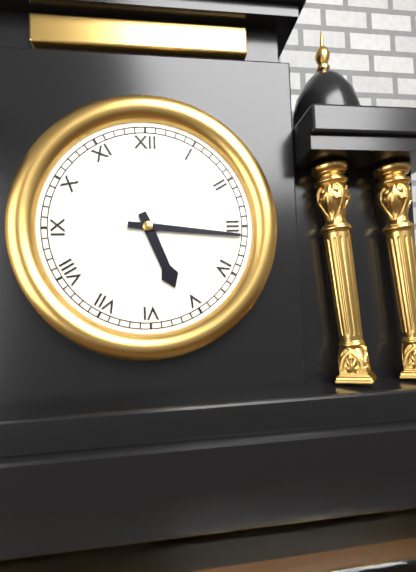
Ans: 5:16
